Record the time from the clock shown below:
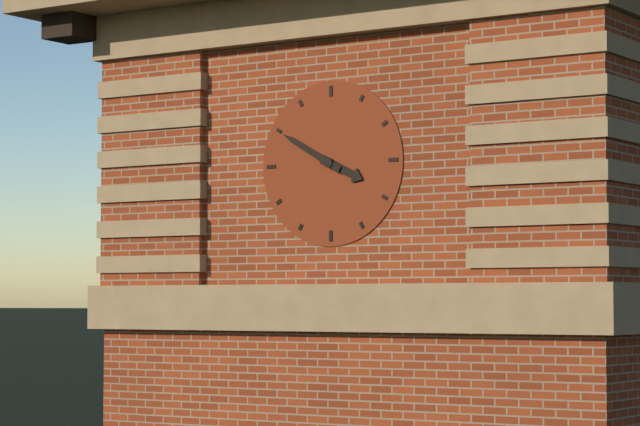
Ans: 3:50
